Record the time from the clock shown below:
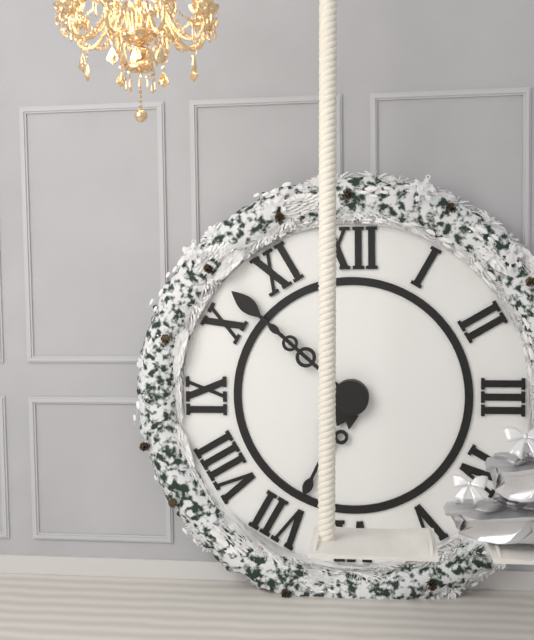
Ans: 6:52
